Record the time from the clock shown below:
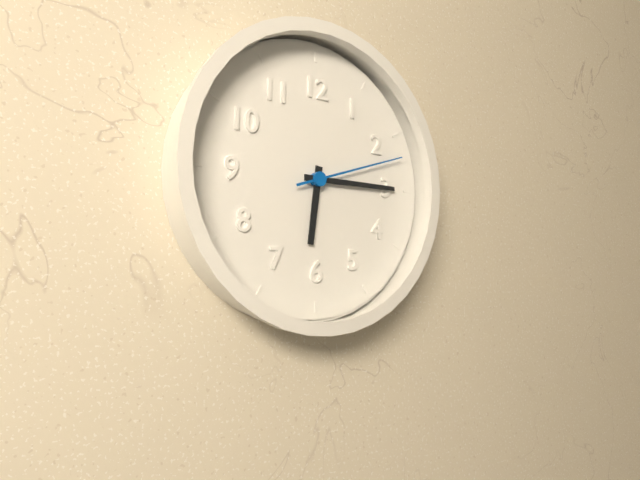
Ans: 6:15:12
